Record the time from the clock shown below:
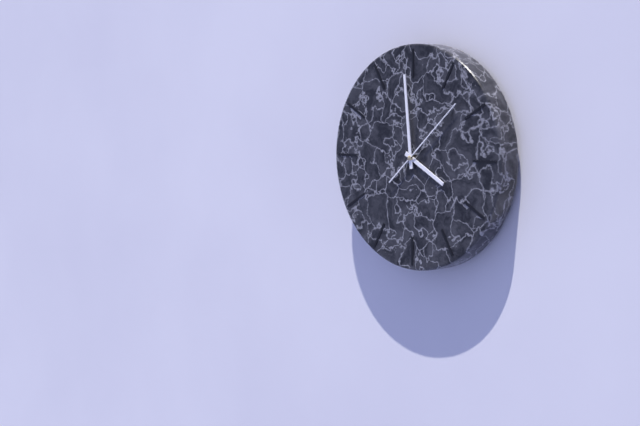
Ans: 3:59:08
